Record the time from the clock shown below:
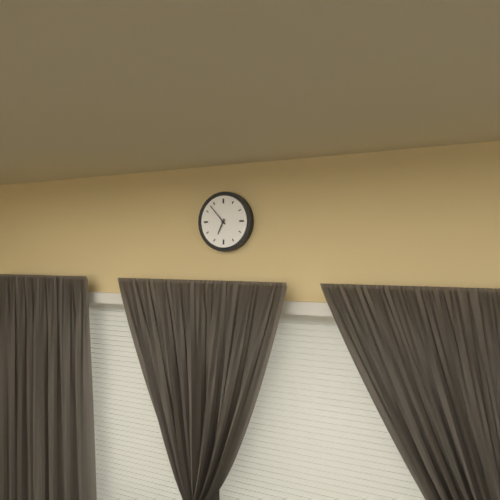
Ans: 6:53
